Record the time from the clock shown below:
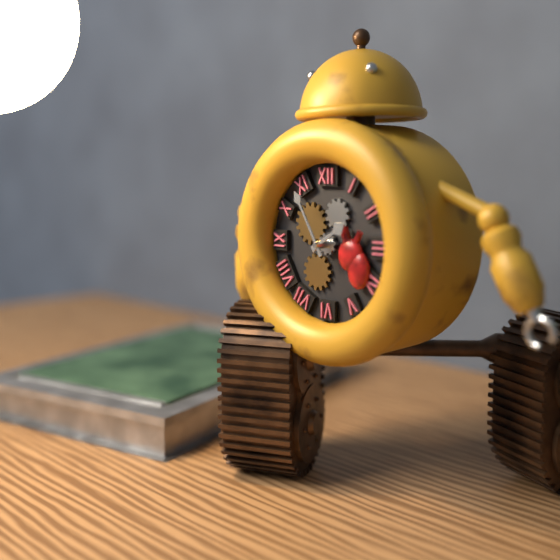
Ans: 1:55
